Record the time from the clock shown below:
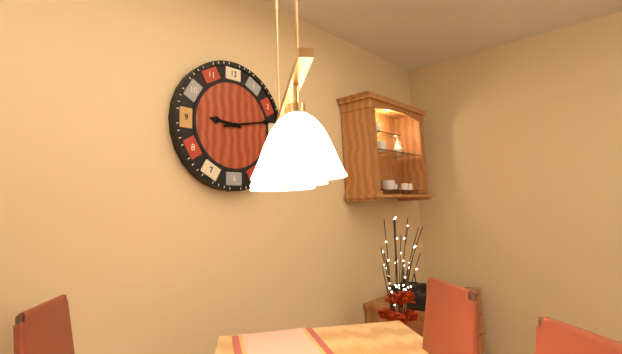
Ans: 9:13
